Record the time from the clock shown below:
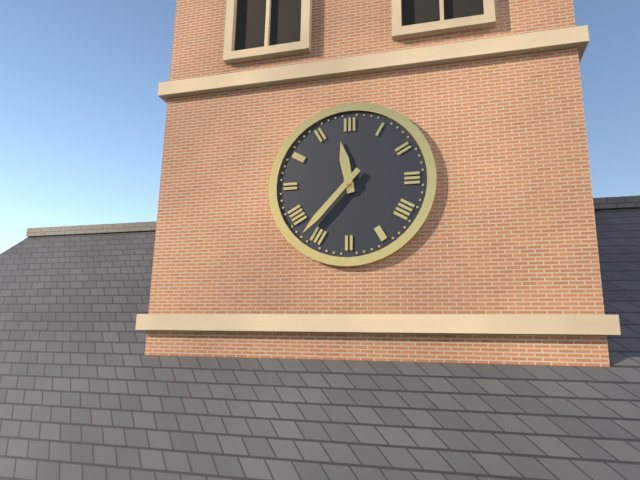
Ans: 11:37
